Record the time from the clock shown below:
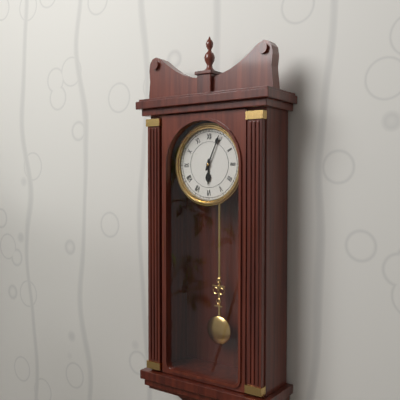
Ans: 6:04
